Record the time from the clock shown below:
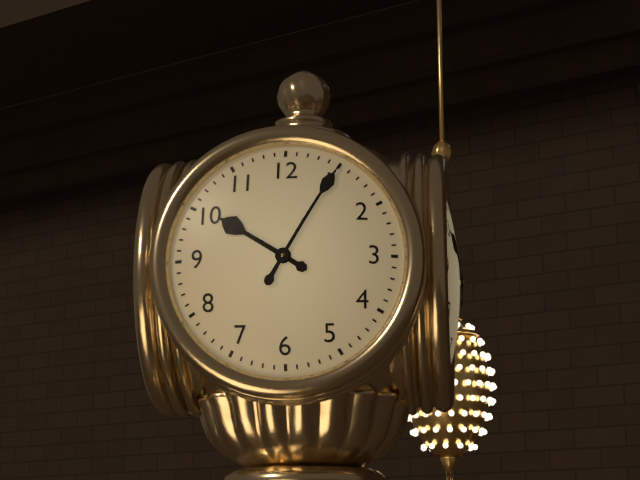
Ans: 10:05
